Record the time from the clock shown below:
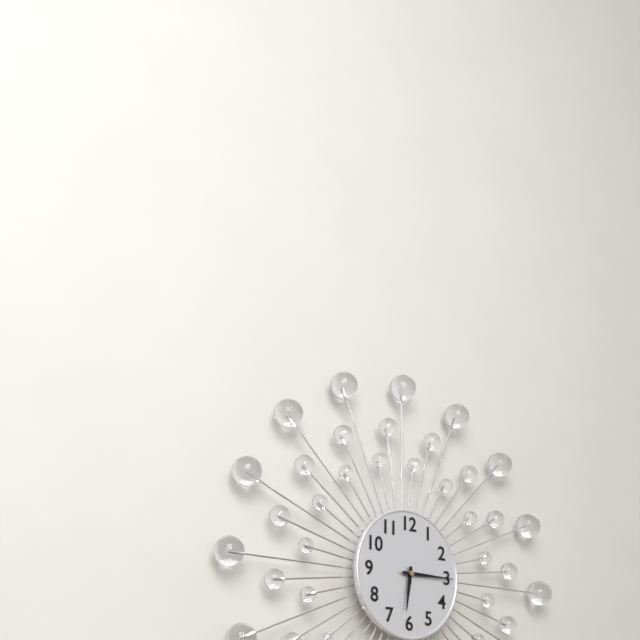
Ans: 6:15
